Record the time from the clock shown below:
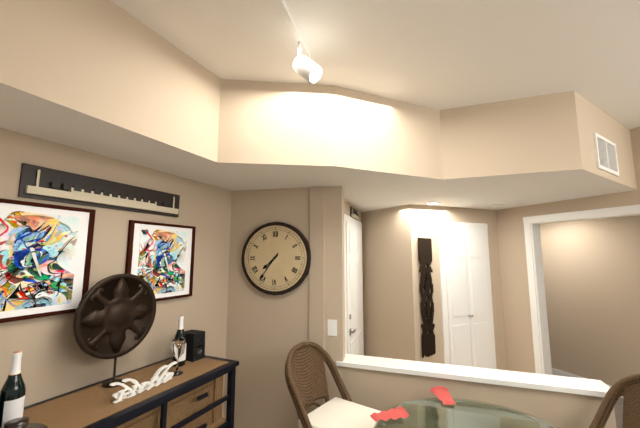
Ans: 7:36
